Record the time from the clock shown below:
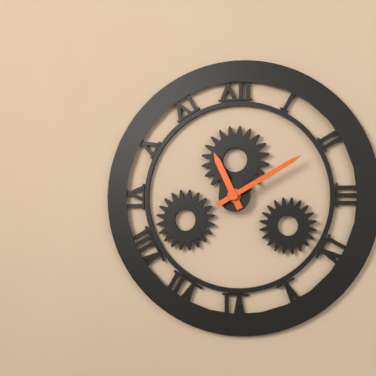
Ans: 11:10
